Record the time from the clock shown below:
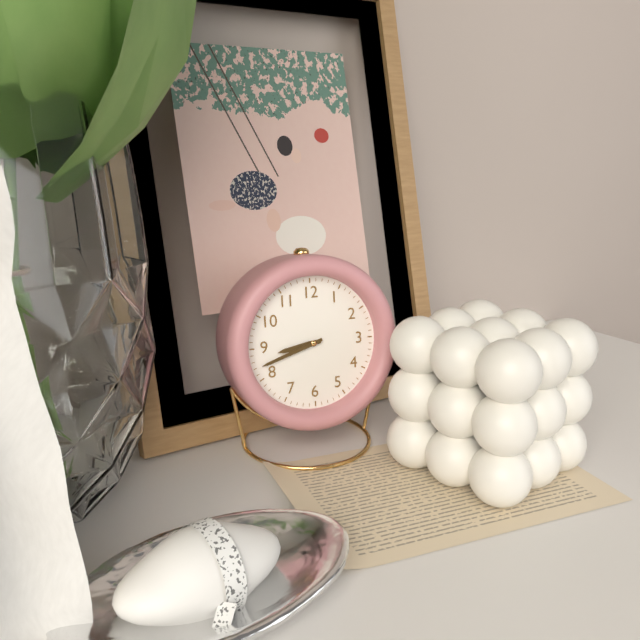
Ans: 8:42
